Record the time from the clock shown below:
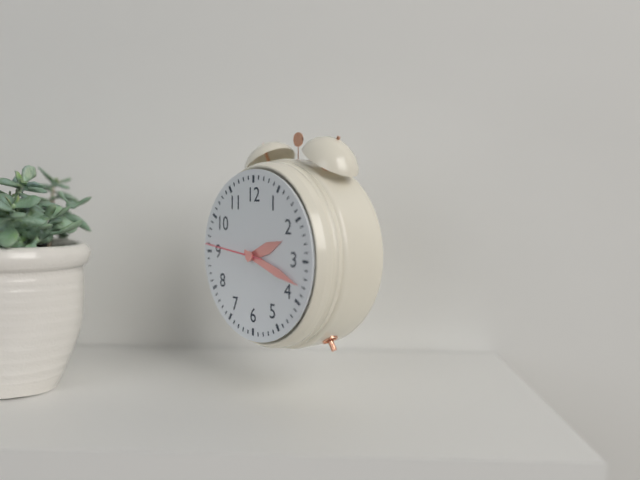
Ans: 2:18:46
